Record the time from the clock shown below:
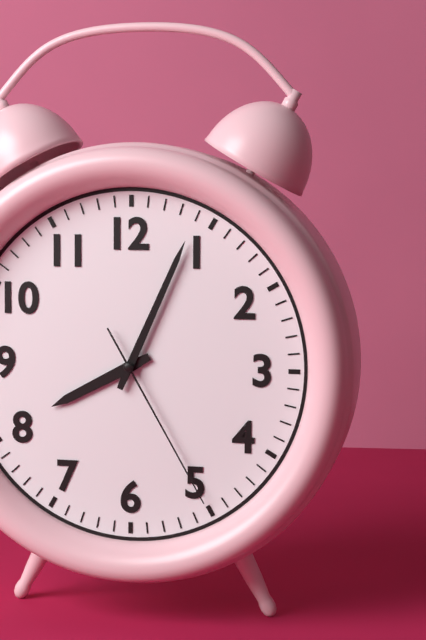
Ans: 8:04:25
